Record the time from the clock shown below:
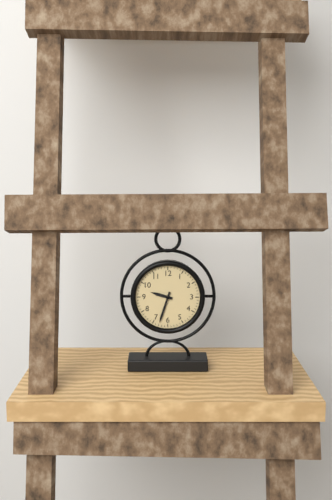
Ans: 9:33
